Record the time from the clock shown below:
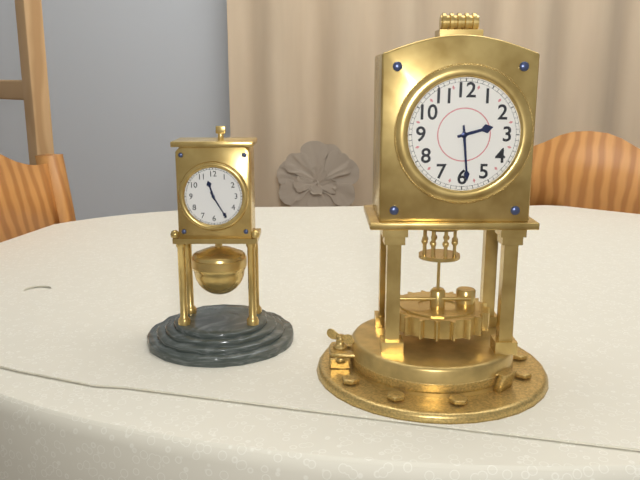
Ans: 2:29
